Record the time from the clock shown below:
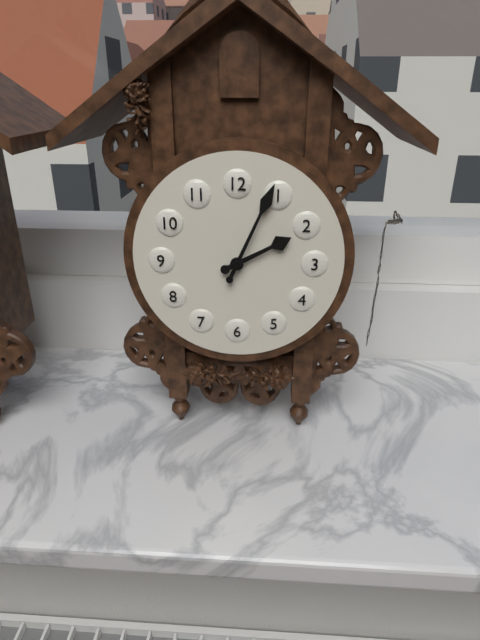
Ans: 2:04
